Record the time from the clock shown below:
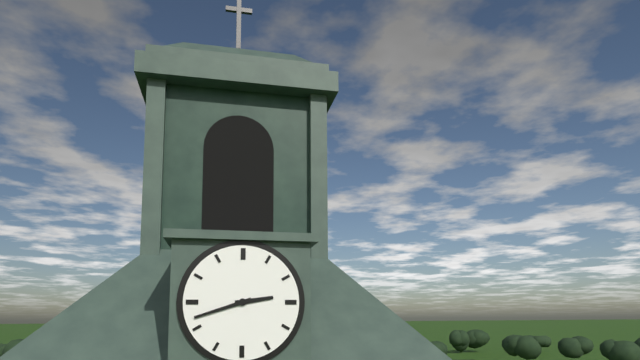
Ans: 2:42
